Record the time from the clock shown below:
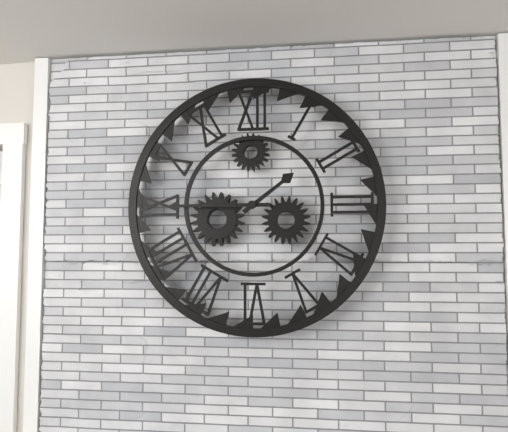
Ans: 1:45
